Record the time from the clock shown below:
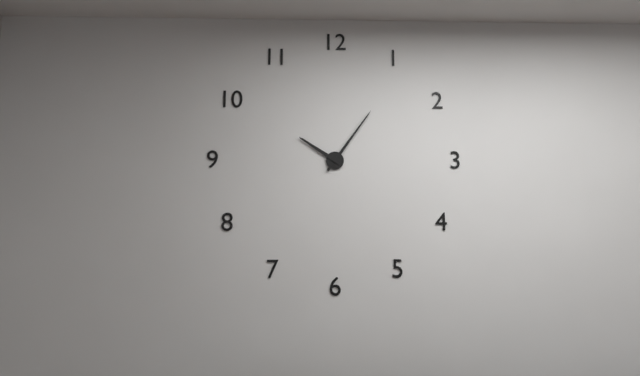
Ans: 10:06
